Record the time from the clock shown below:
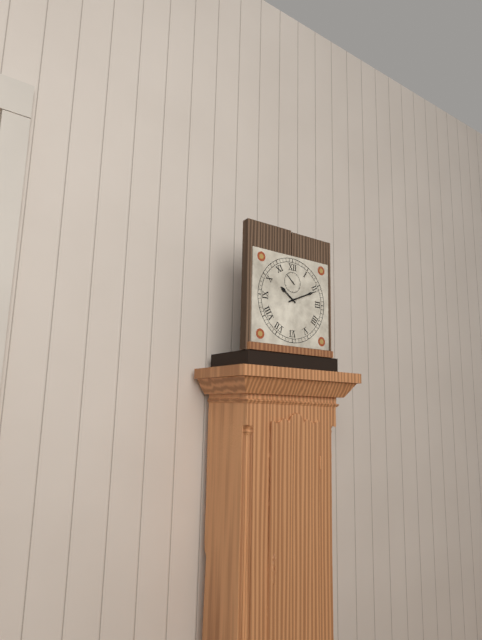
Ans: 10:11
